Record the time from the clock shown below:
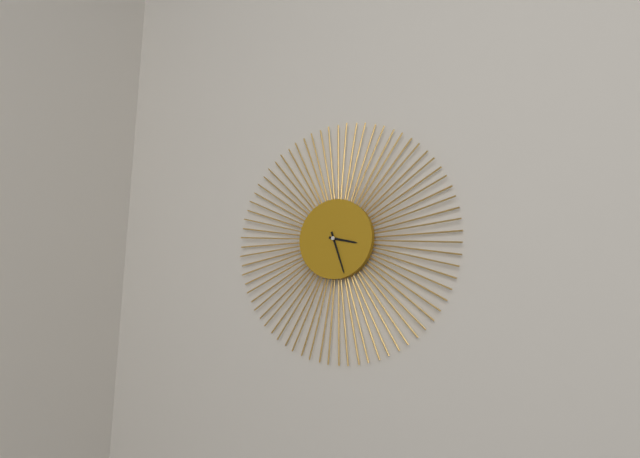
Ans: 3:27
